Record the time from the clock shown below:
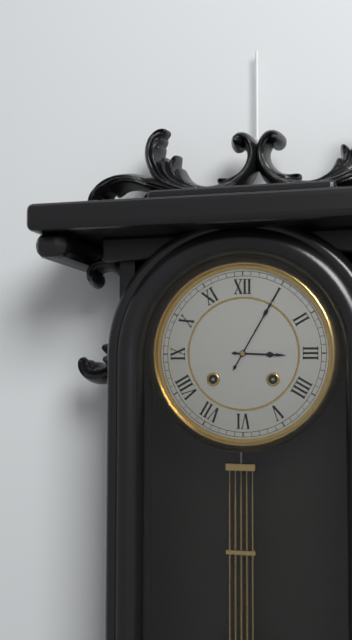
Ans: 3:05
